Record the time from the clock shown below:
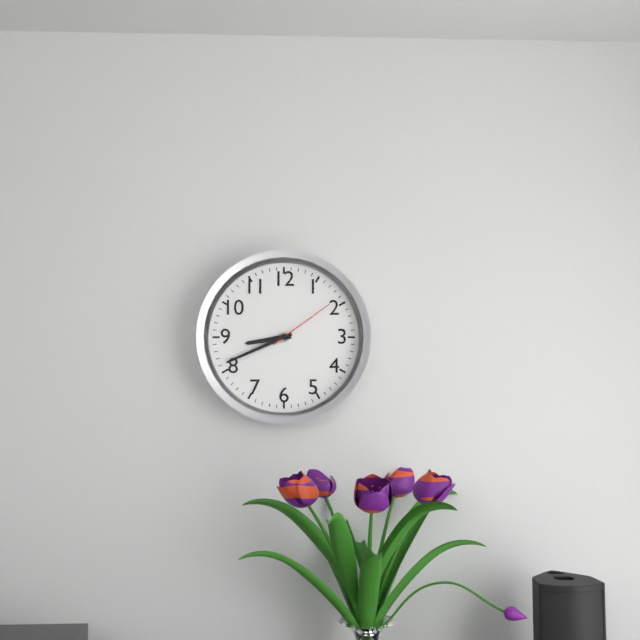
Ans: 8:41:09
